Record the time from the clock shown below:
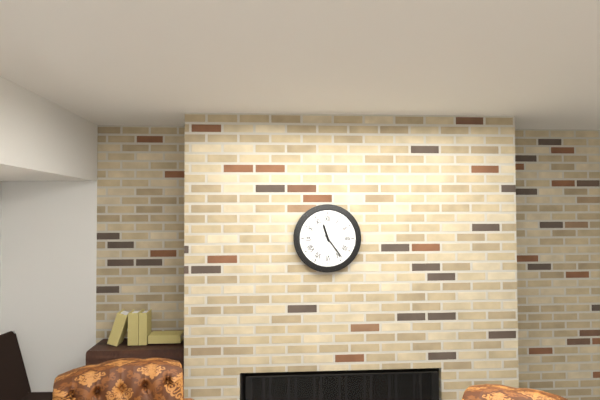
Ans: 11:24
